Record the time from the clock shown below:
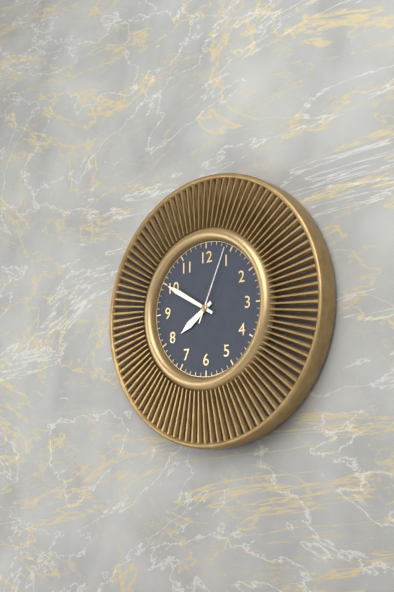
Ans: 7:50:04
